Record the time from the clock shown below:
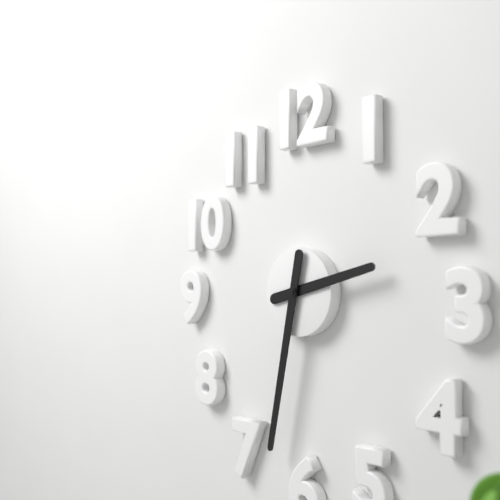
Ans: 2:32
